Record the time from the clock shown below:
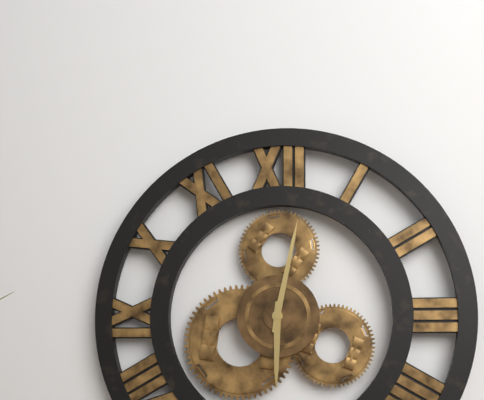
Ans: 6:02
